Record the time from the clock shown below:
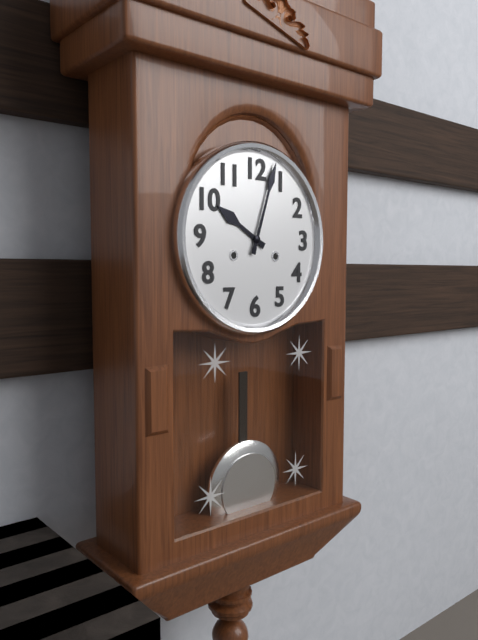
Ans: 10:03
